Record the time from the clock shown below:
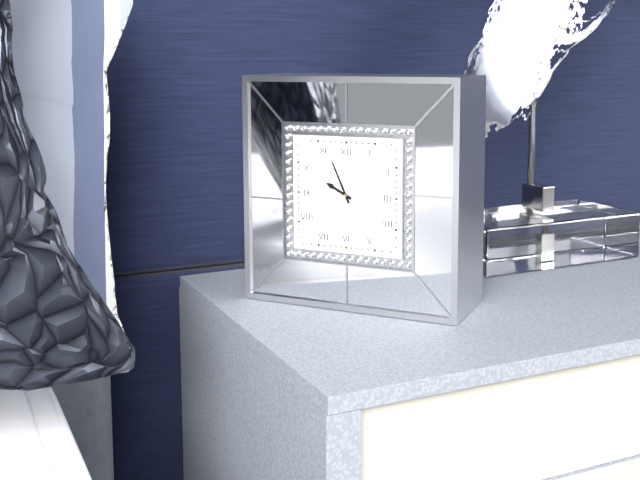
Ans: 9:56
